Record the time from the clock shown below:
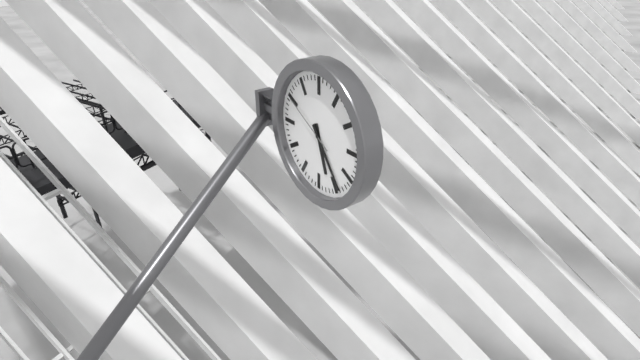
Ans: 5:24:50
